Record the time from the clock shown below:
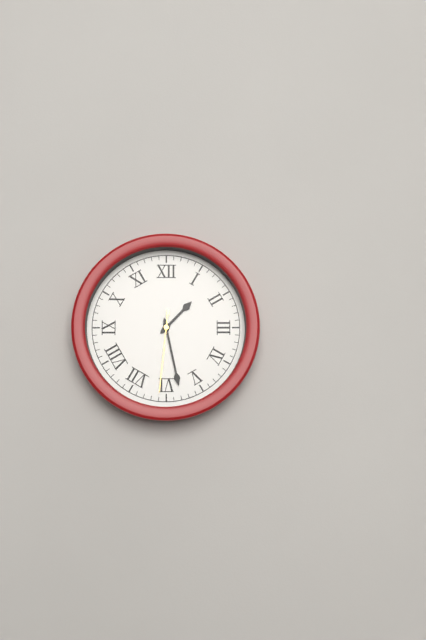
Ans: 1:28:31
